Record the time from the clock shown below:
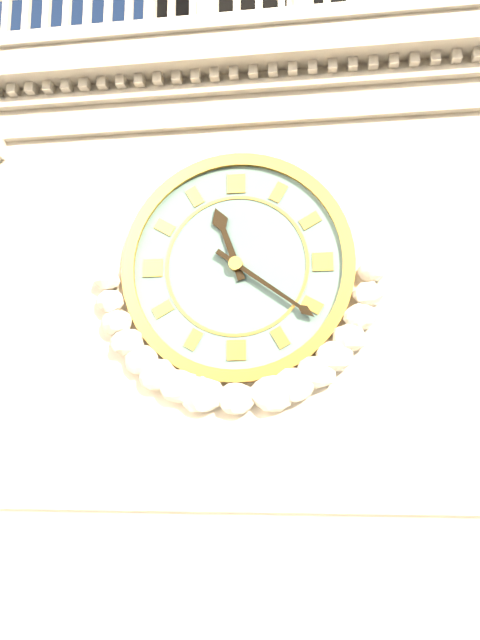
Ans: 11:21
